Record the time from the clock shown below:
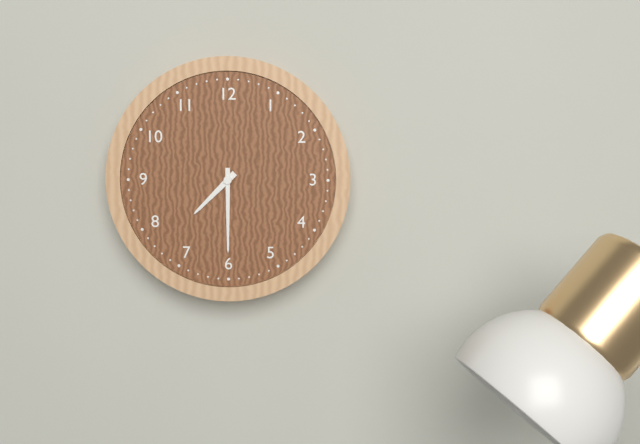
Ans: 7:30
